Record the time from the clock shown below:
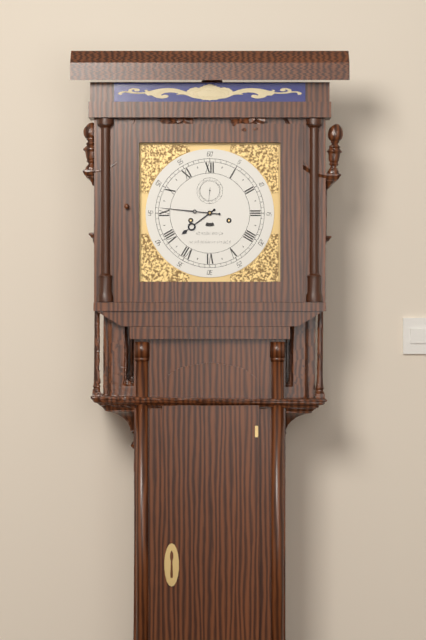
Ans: 7:46
